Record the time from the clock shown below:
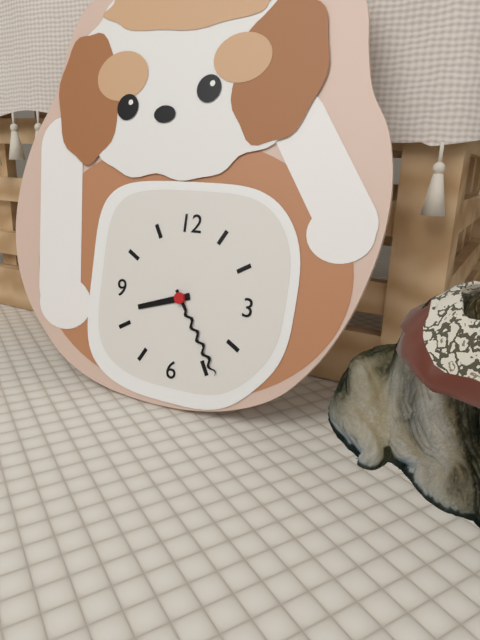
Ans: 8:24
